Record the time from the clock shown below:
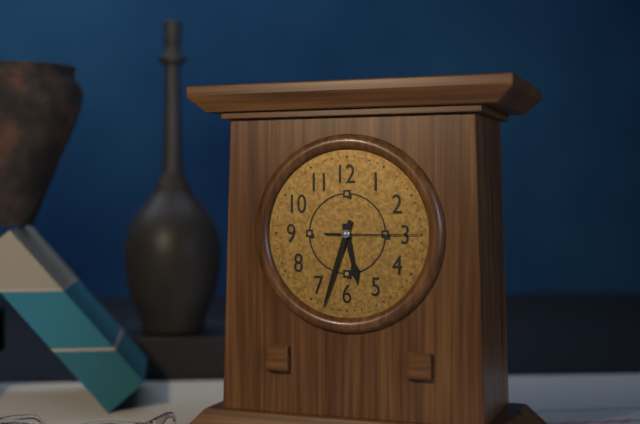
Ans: 5:33:15
